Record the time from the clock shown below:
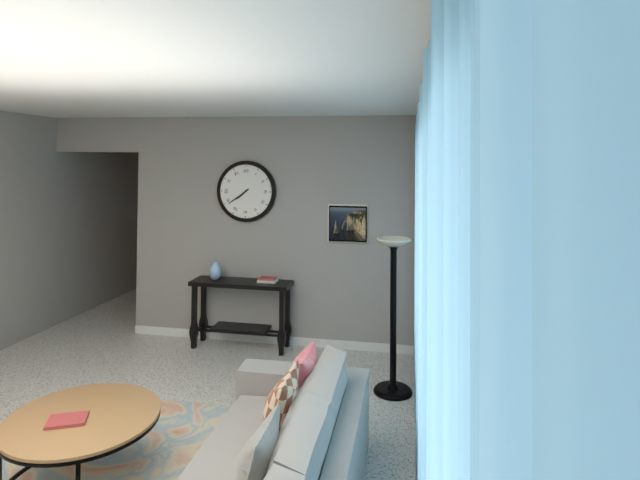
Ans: 7:39
